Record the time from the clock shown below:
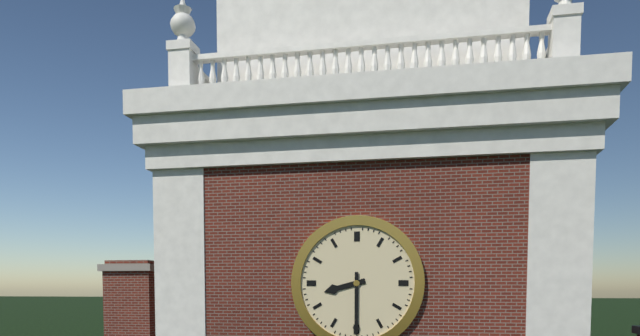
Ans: 8:30
